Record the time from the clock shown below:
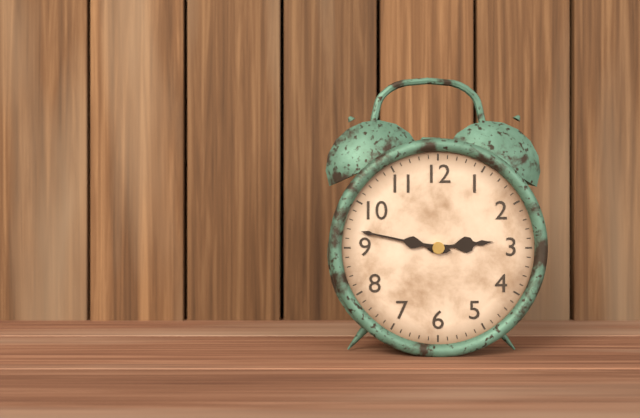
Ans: 2:47
